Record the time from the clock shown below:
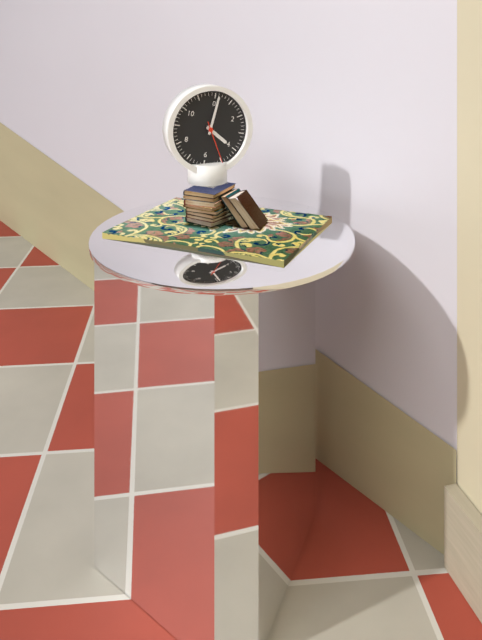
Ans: 4:01
